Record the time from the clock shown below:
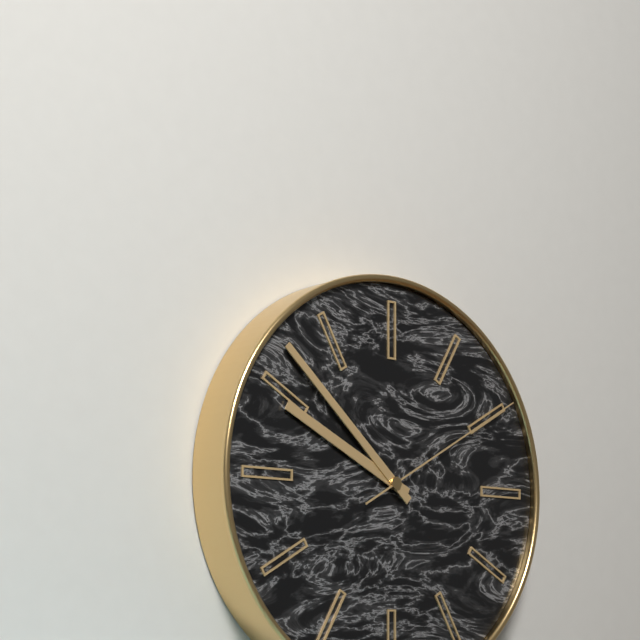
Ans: 9:52:10
